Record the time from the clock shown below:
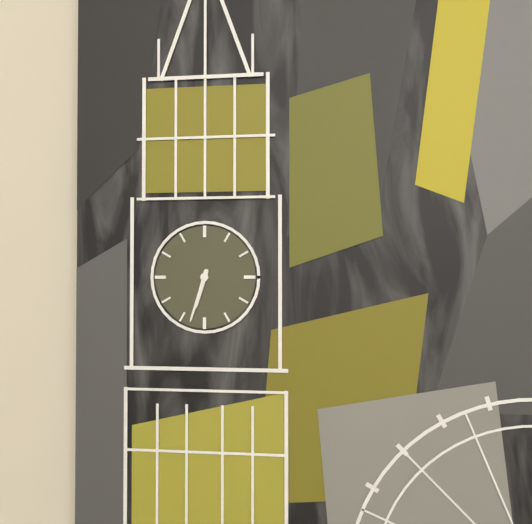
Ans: 6:33
